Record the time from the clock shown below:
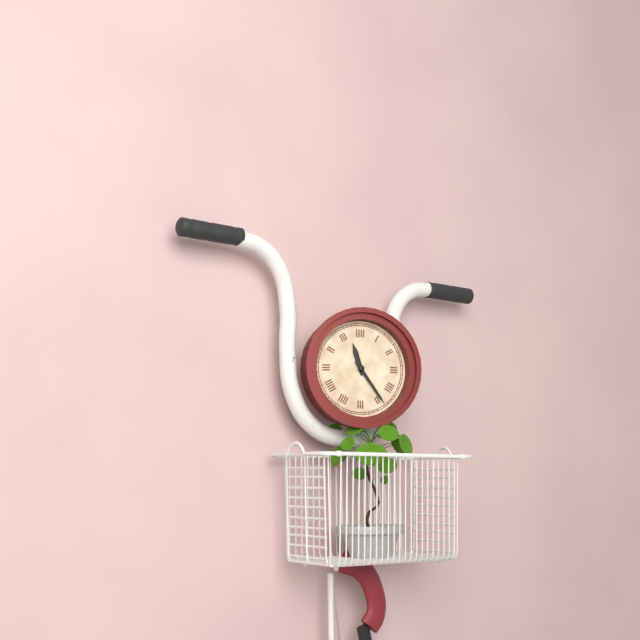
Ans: 11:24
